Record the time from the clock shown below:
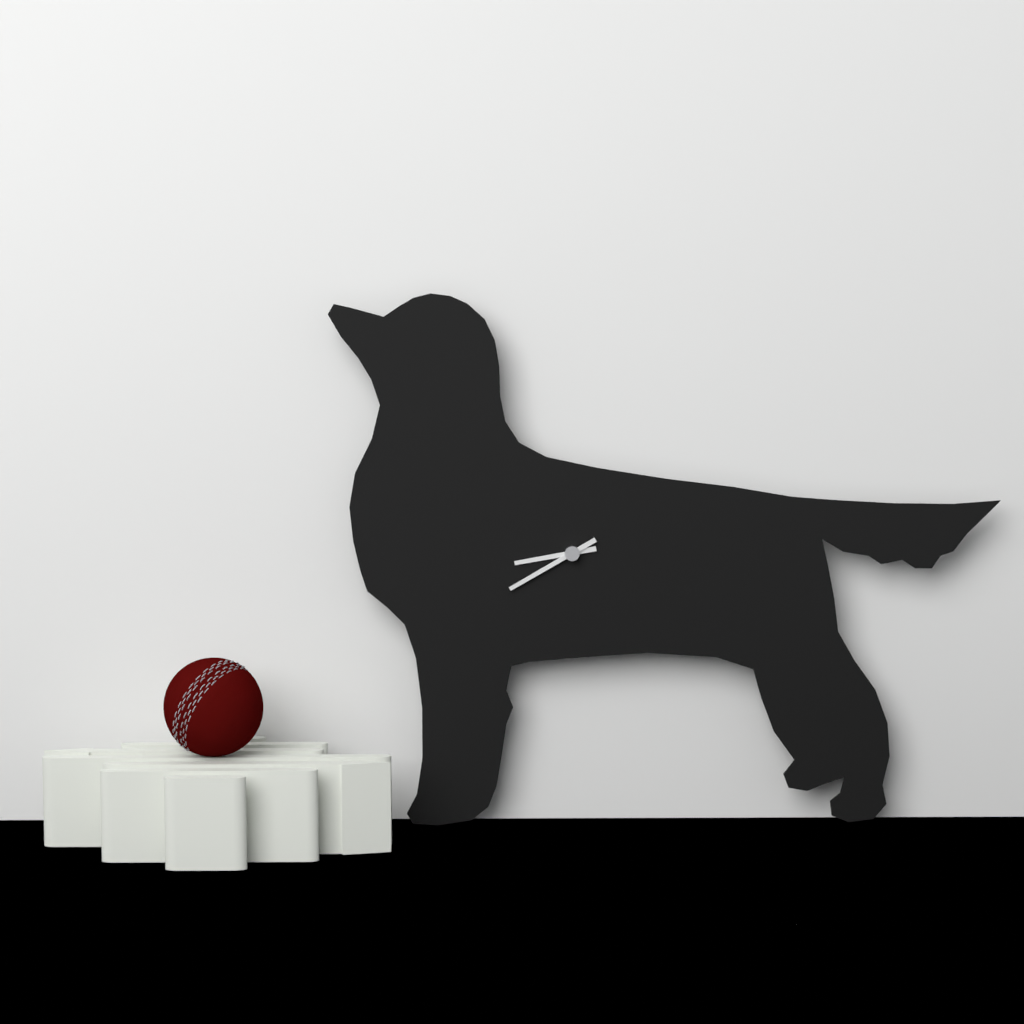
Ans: 8:40
